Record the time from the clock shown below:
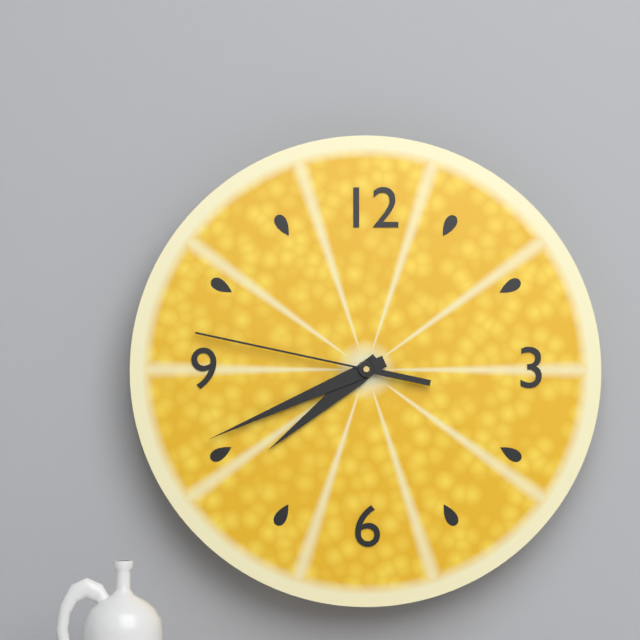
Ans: 7:41:47
